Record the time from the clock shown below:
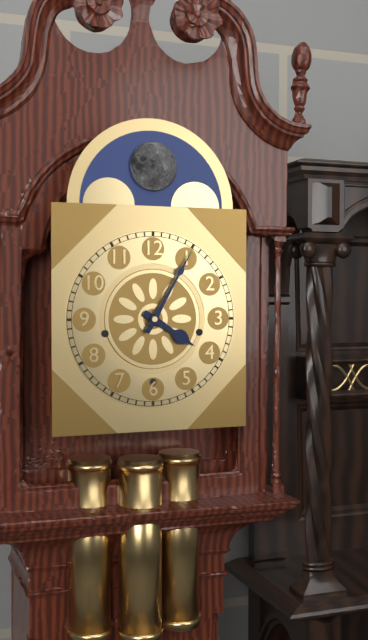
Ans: 4:05
